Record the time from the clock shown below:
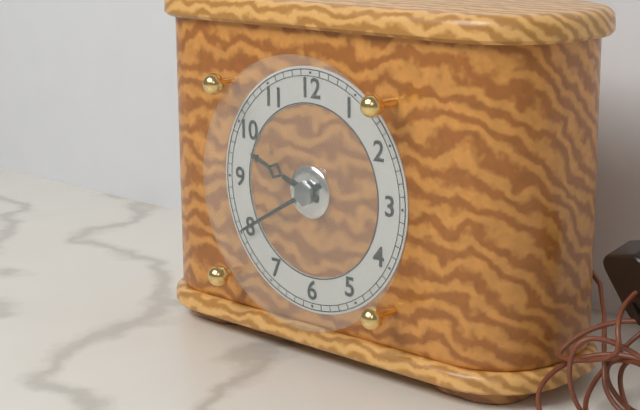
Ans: 9:40
